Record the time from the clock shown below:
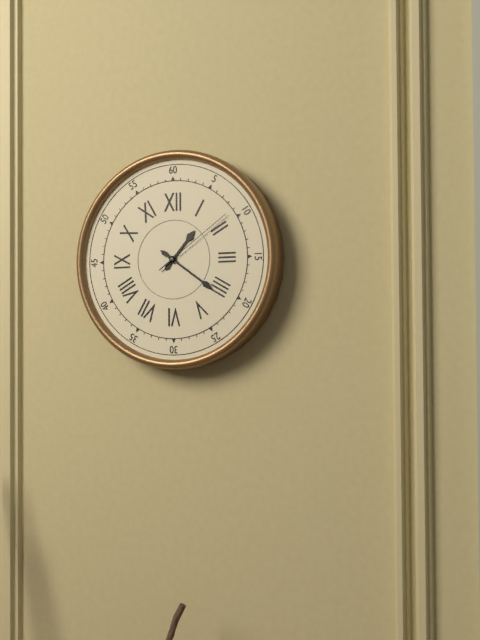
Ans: 1:21:09
